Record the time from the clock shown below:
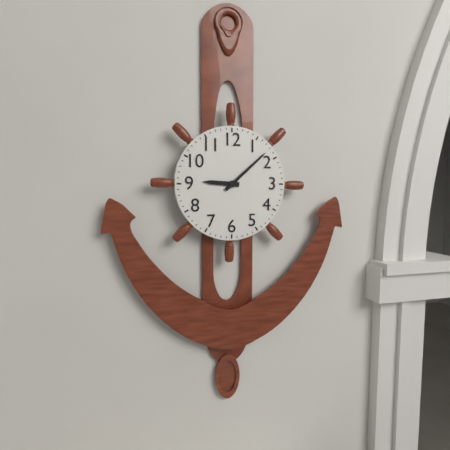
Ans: 9:08
